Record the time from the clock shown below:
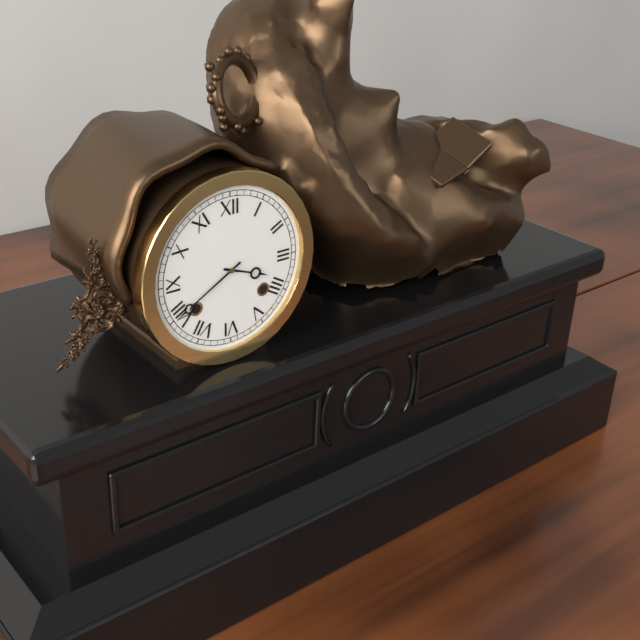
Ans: 3:40
